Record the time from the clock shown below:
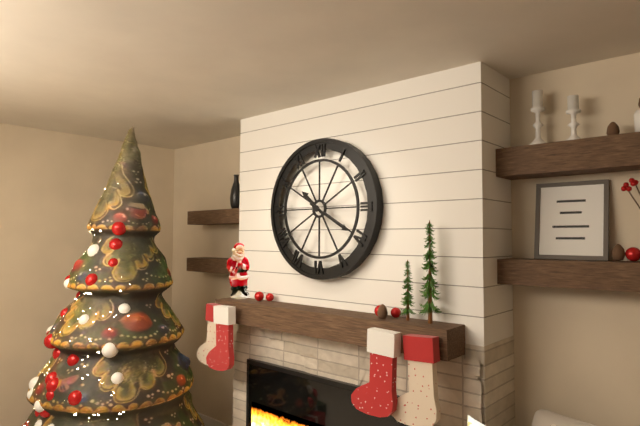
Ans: 10:20
